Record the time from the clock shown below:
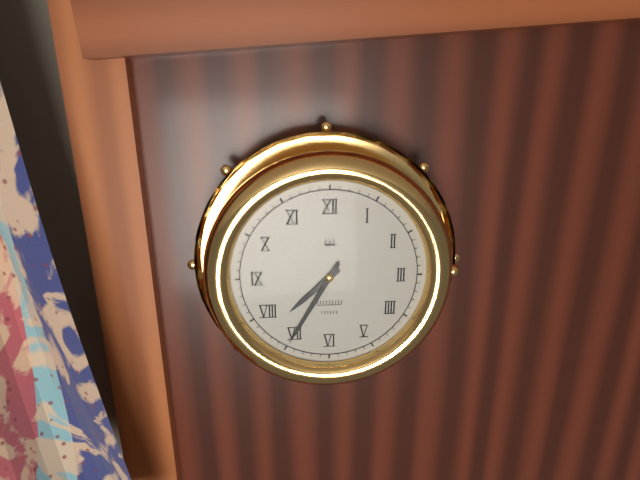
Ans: 7:35
